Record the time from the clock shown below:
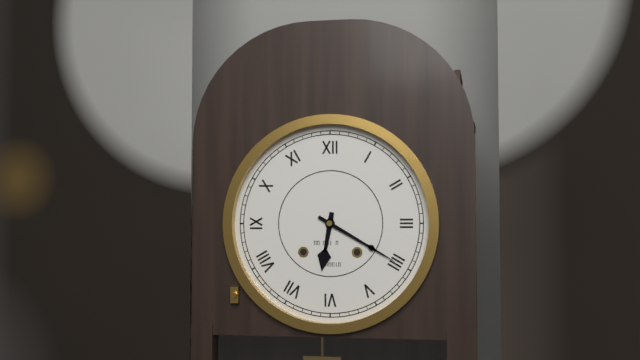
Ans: 6:20
